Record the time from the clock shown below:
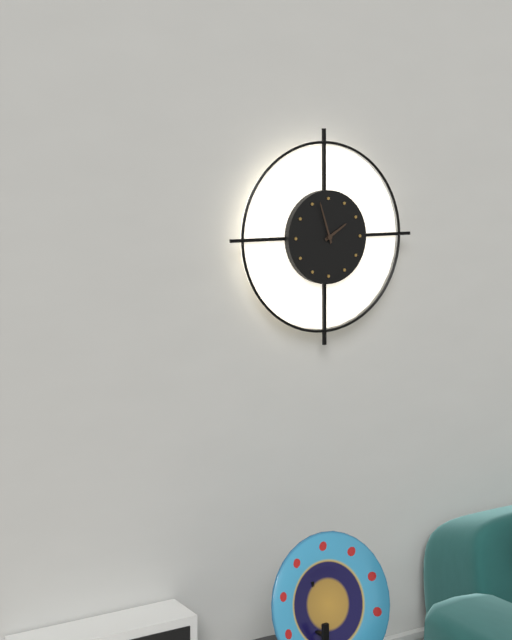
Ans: 1:57
